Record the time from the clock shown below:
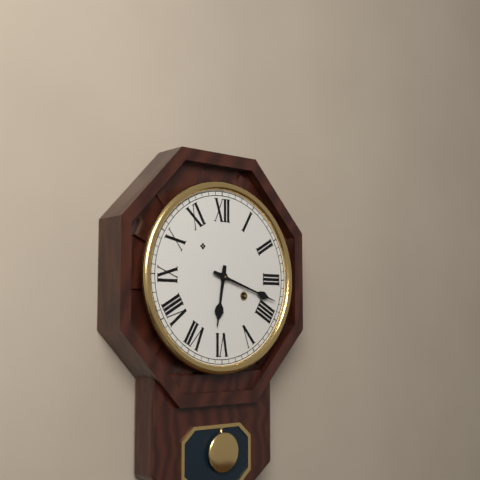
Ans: 6:18
